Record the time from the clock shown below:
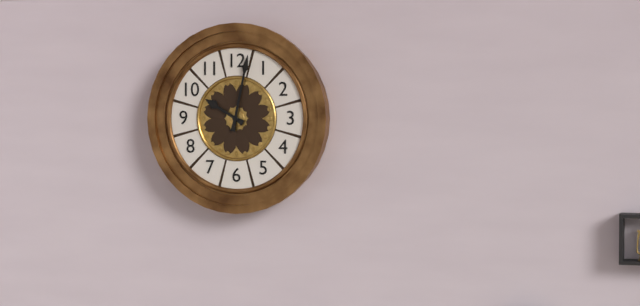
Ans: 10:02
